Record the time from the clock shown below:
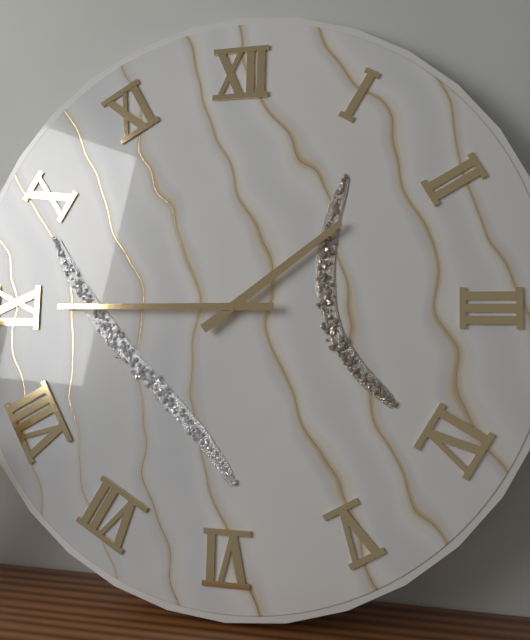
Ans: 1:45
